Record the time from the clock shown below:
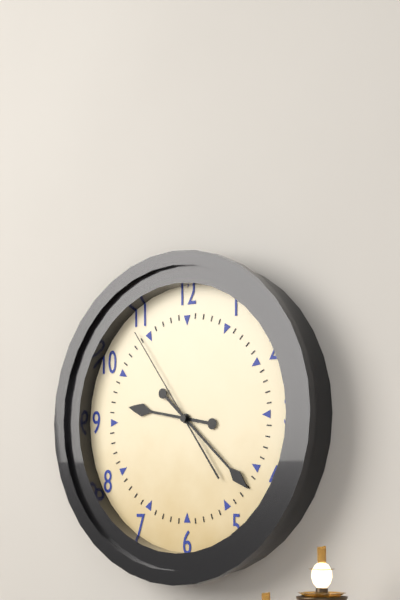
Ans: 9:22:54
